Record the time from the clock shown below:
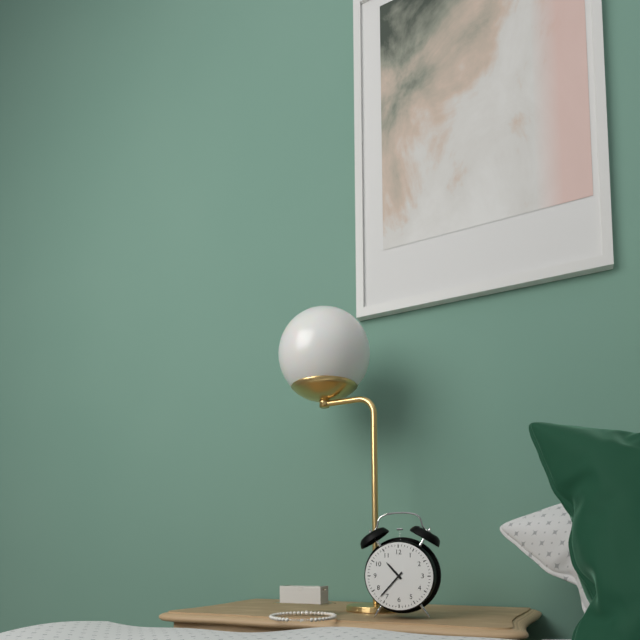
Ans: 10:37
